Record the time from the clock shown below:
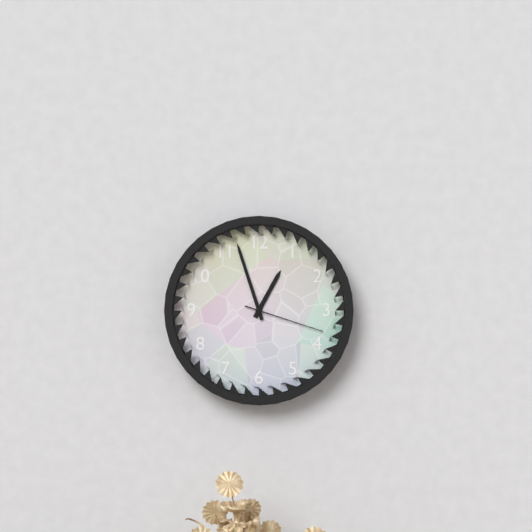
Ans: 12:57:18
